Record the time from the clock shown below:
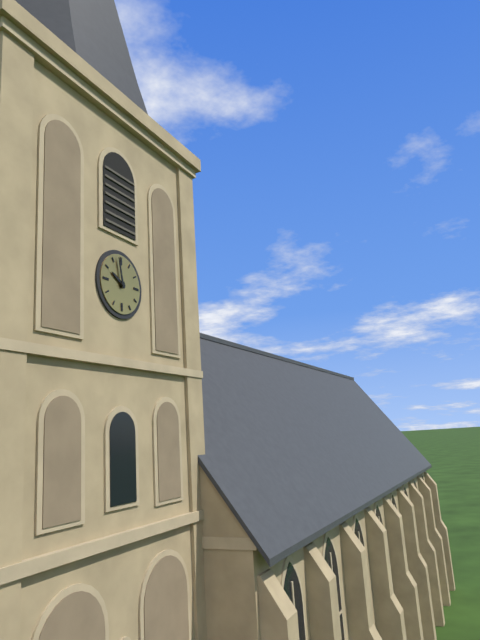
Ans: 9:58
